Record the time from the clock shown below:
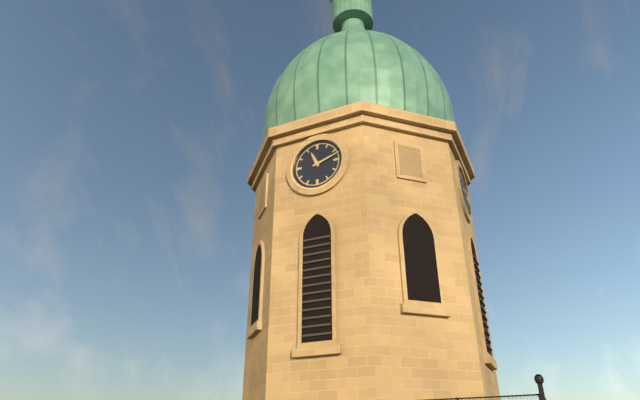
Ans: 11:12
